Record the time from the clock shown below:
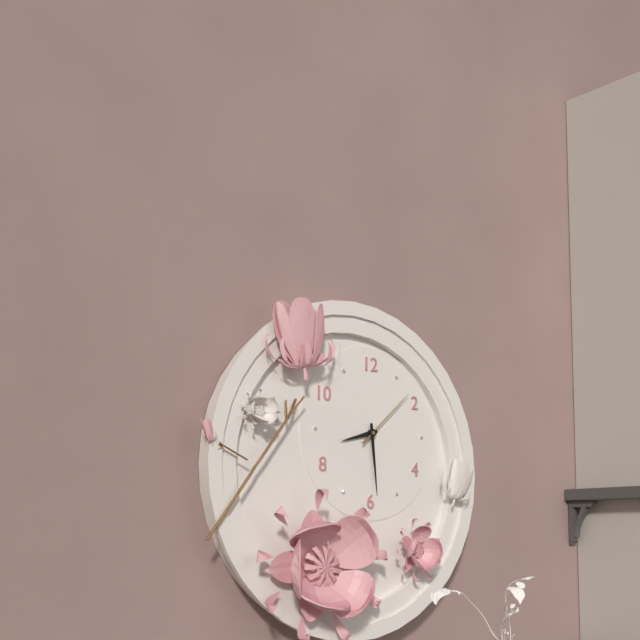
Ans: 8:29:08
